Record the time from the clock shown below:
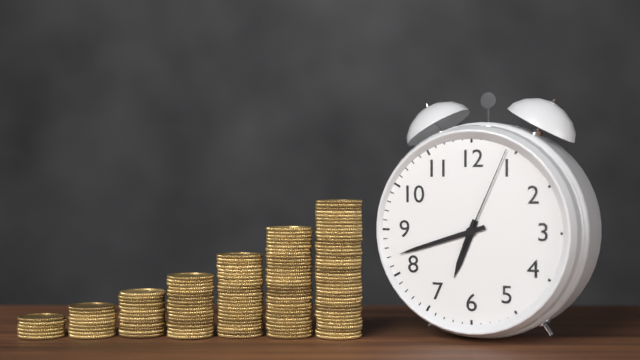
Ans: 6:42:04
